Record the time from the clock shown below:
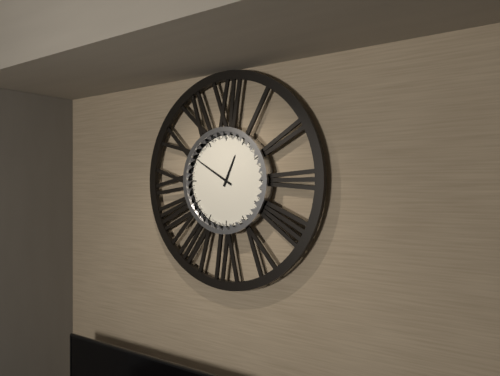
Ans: 12:50
